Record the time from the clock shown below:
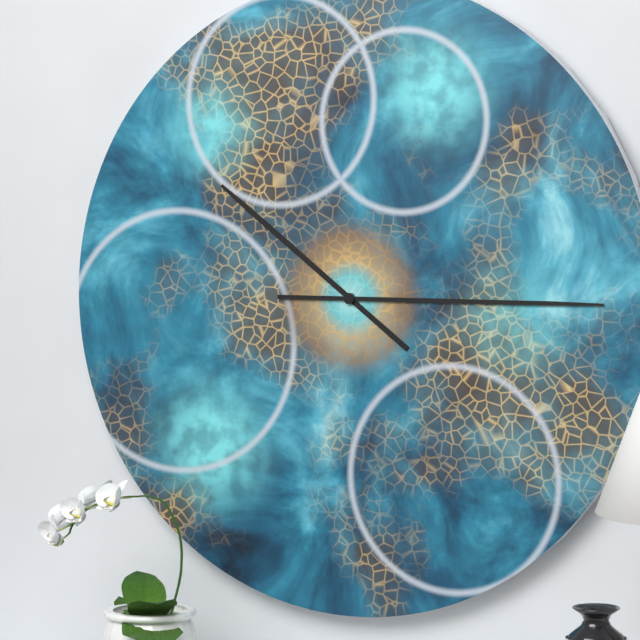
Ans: 10:15
